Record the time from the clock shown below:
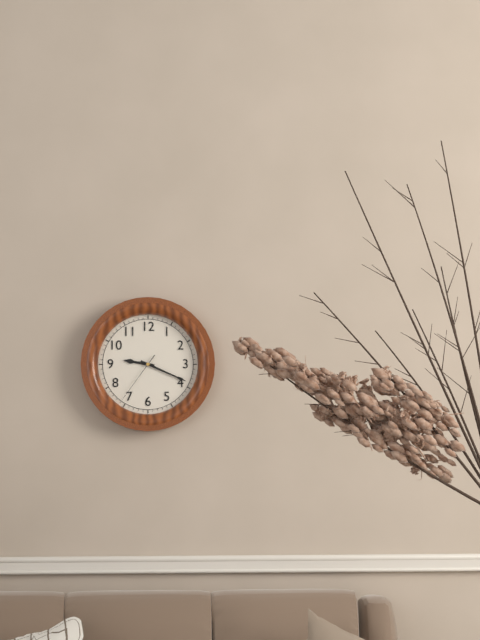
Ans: 9:19:36
